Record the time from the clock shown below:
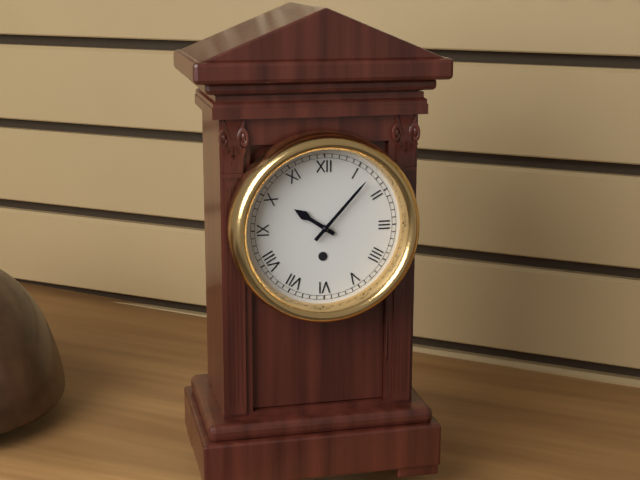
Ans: 10:07
